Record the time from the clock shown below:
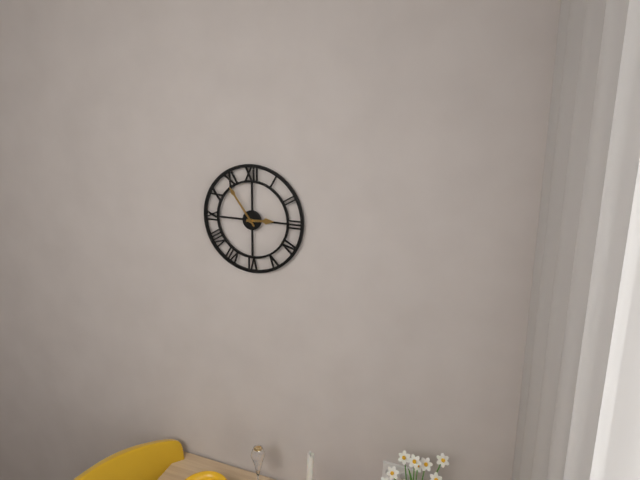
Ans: 2:54
